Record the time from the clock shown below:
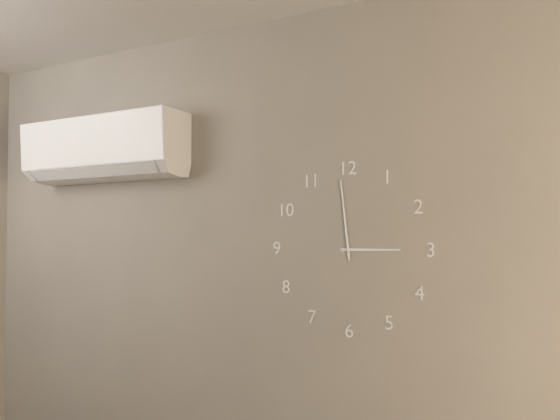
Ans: 2:59
